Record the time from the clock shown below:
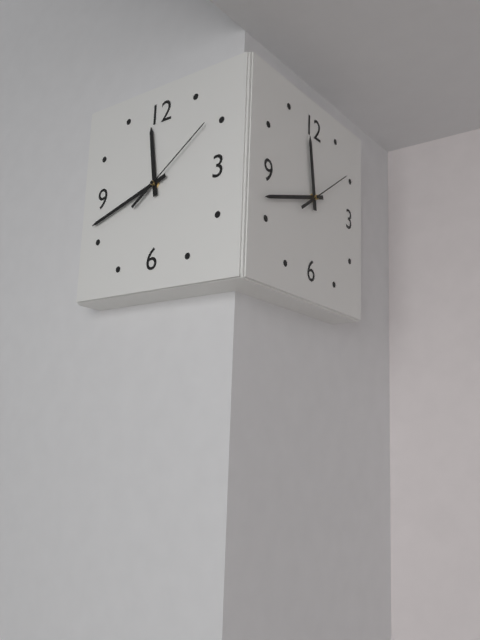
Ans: 11:42:09
